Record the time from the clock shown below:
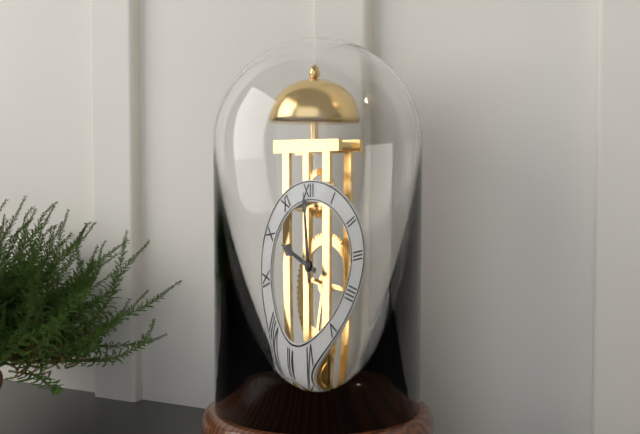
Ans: 9:59
